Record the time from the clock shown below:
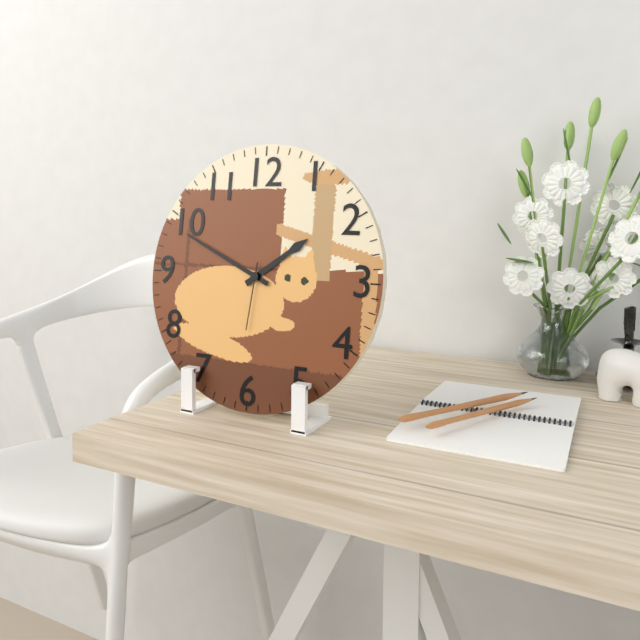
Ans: 1:49:31
